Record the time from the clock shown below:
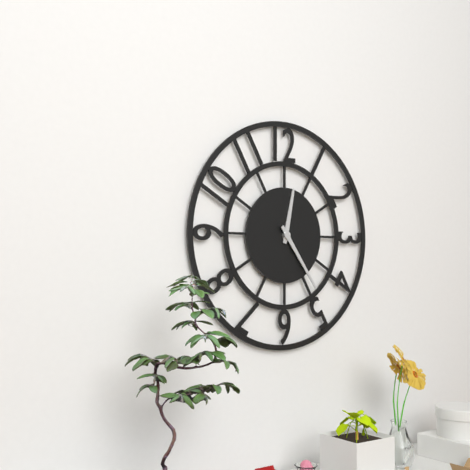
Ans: 12:24
